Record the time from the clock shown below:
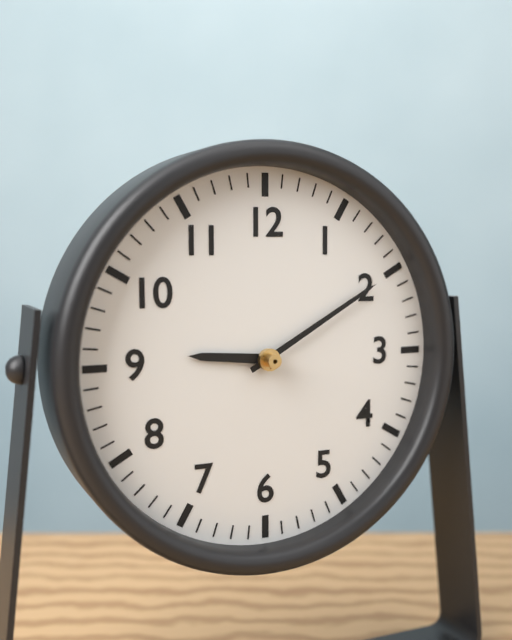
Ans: 9:10
